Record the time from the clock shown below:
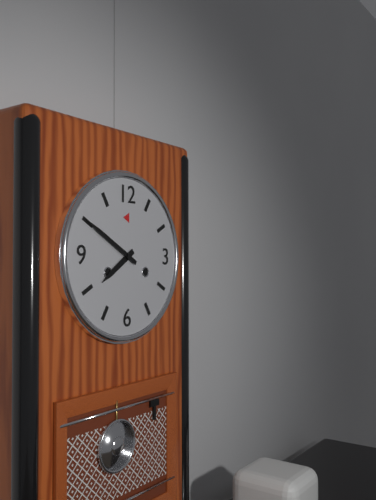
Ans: 7:50
